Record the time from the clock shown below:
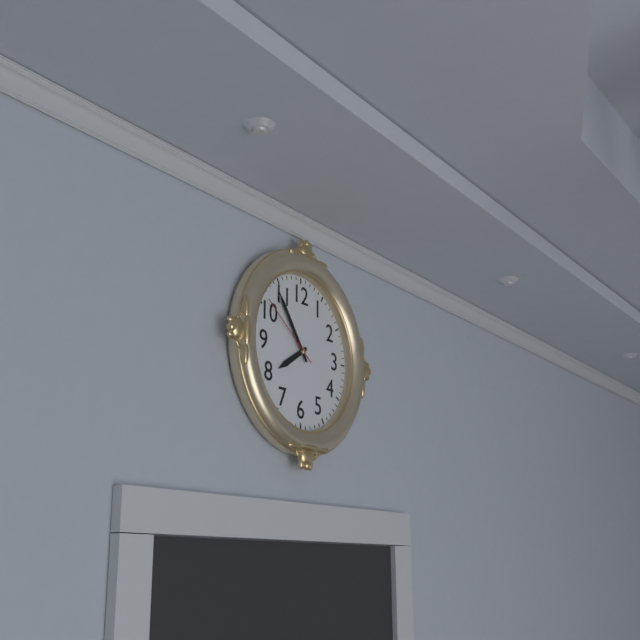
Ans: 7:54:51
